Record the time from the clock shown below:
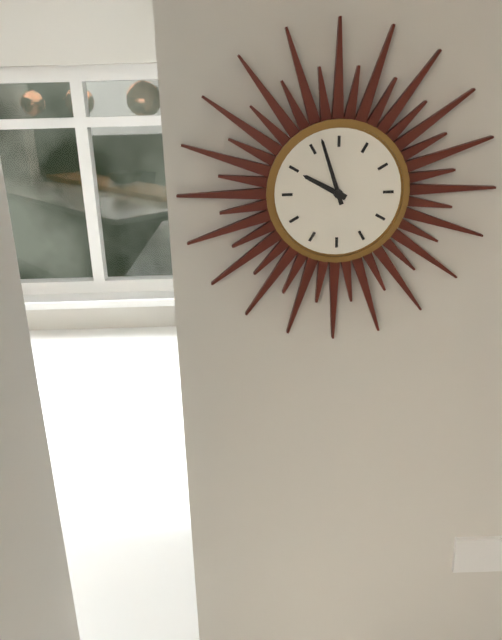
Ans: 9:57
